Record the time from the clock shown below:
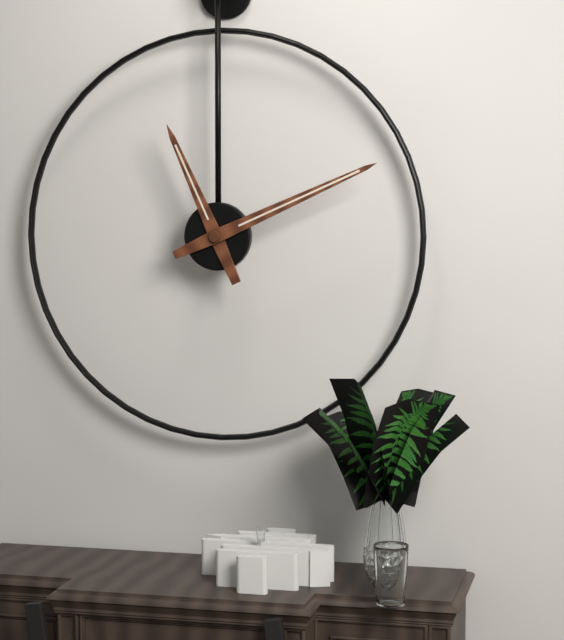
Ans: 11:11
